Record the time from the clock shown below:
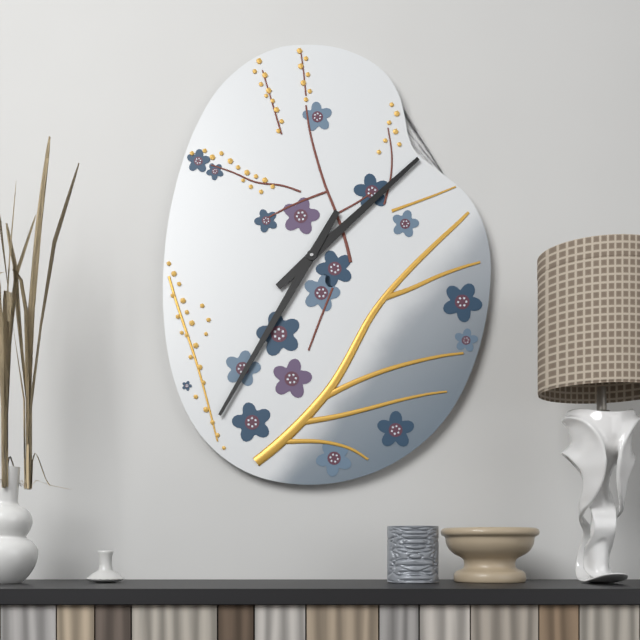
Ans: 1:35
